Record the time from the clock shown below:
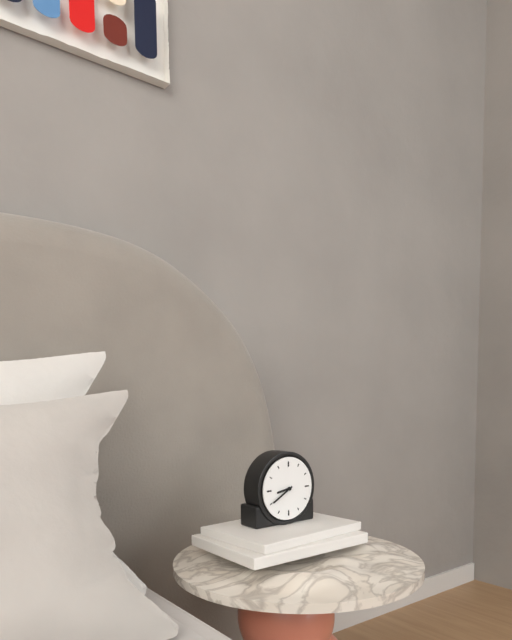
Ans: 8:40
